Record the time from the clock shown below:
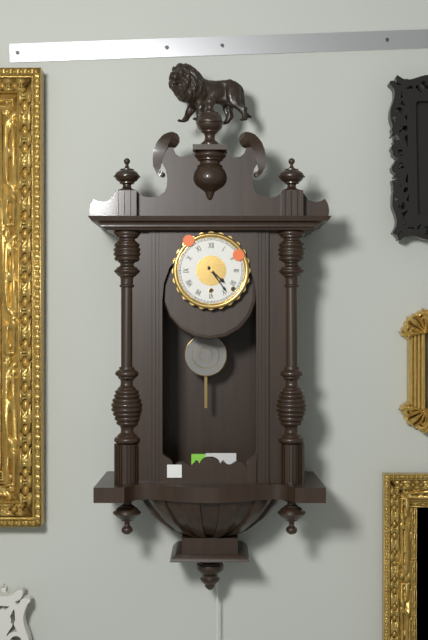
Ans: 4:24
